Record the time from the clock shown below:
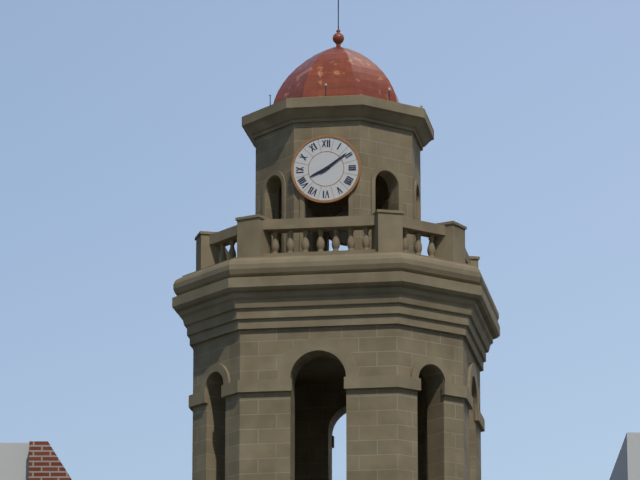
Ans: 8:09
